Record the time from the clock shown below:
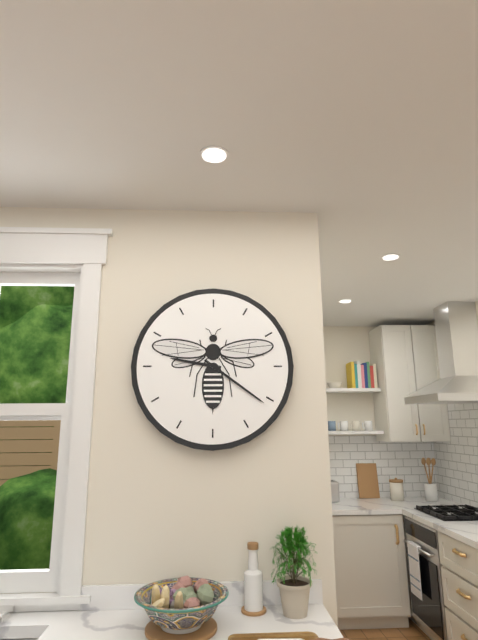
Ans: 9:21
